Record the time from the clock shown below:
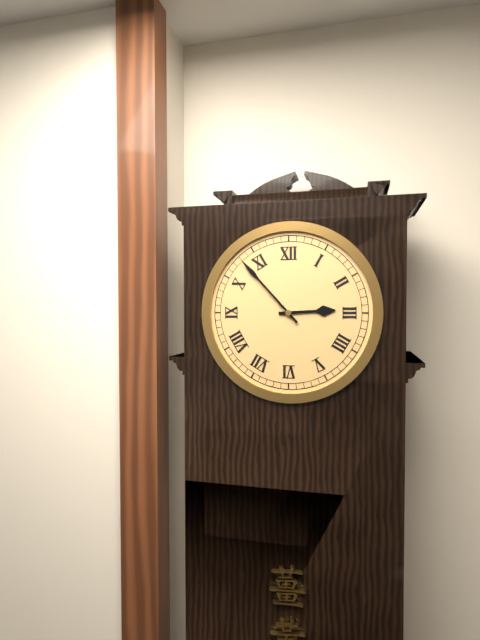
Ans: 2:53
